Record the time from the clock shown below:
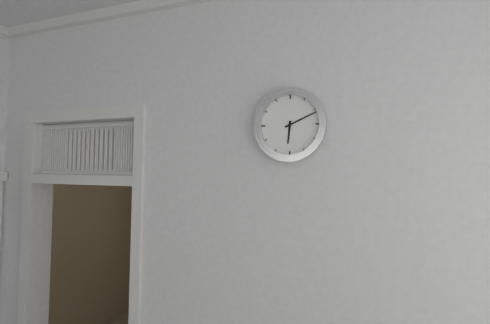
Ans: 6:11
